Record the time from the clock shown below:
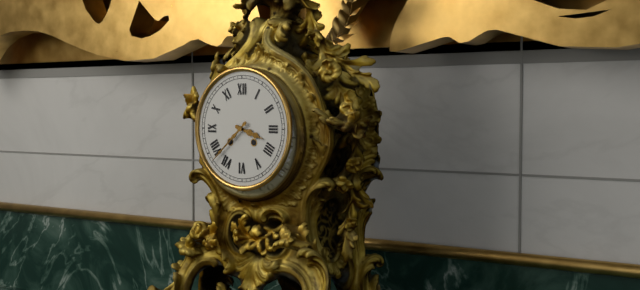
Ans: 3:38
